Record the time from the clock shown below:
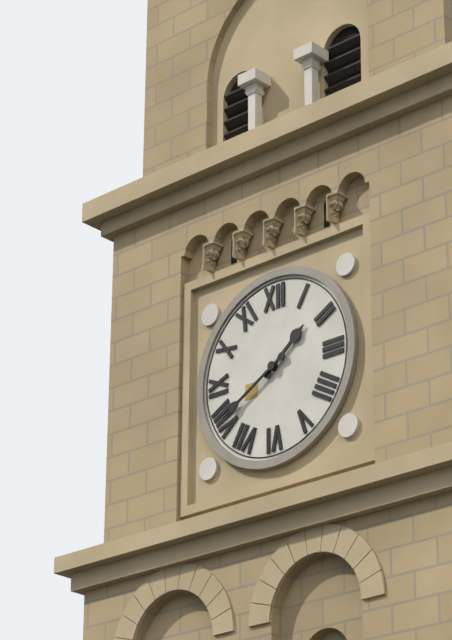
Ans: 1:40
